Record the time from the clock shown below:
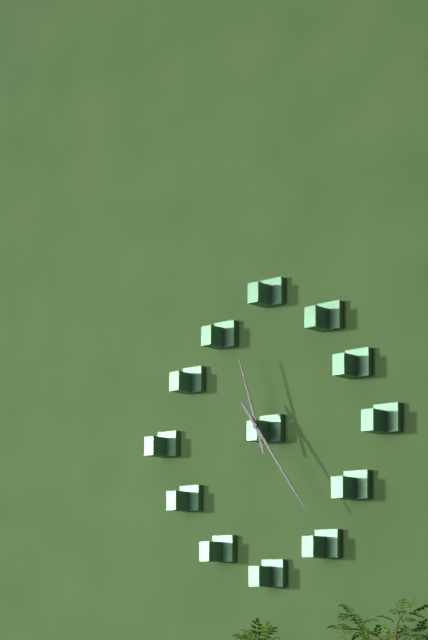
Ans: 11:24
